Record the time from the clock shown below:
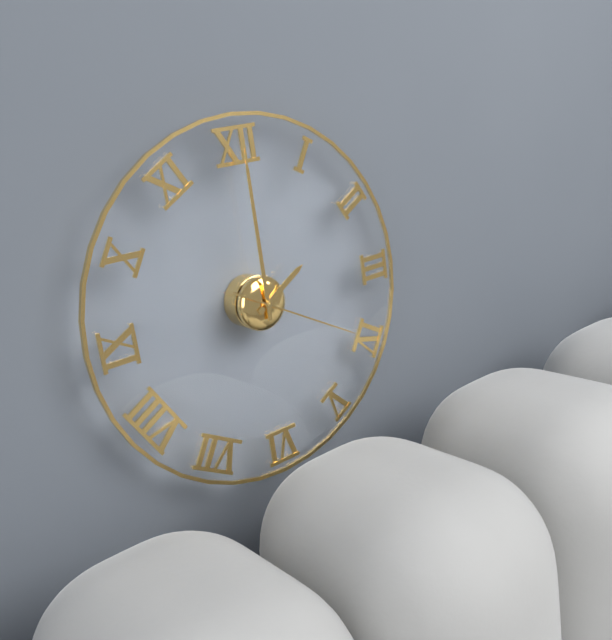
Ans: 2:00:20
